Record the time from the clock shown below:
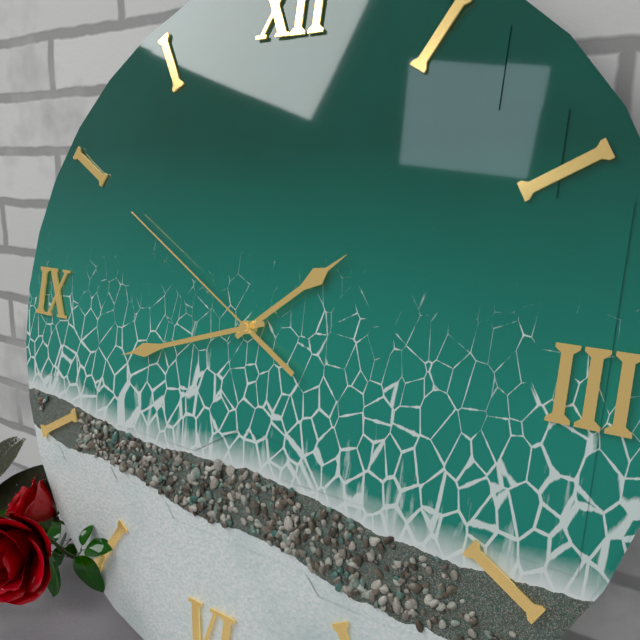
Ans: 1:42:50
